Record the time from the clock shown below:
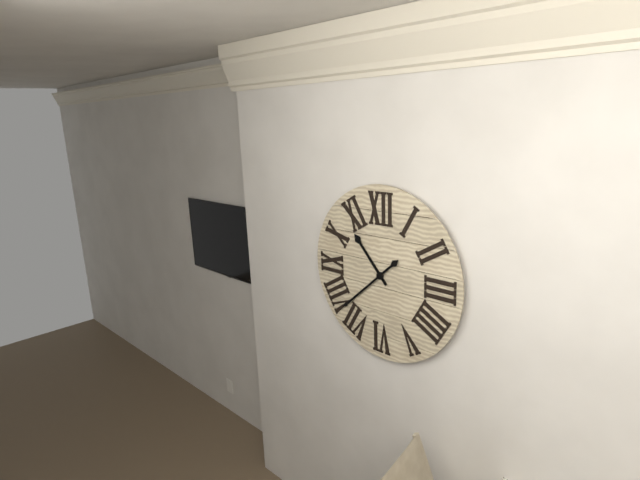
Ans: 10:38
